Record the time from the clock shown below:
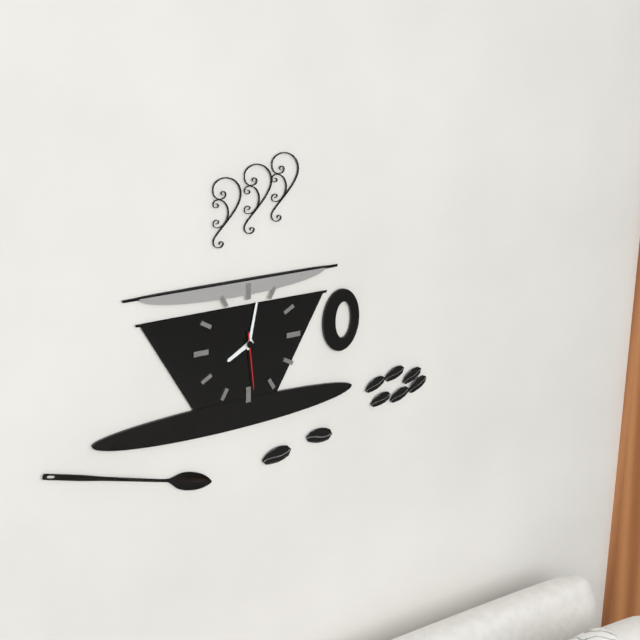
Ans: 8:02:29
